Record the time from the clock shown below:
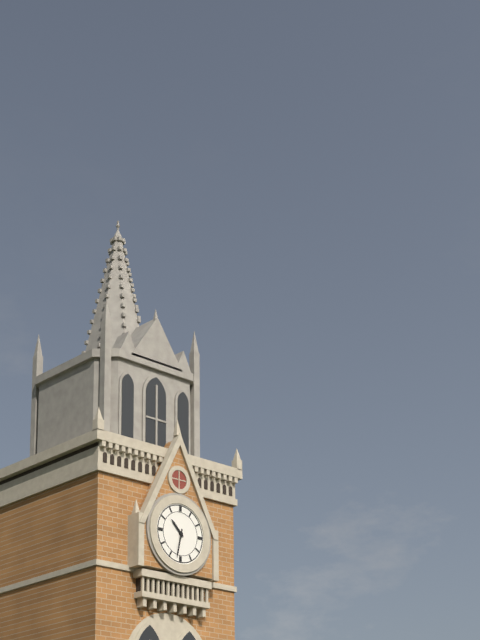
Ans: 10:32
